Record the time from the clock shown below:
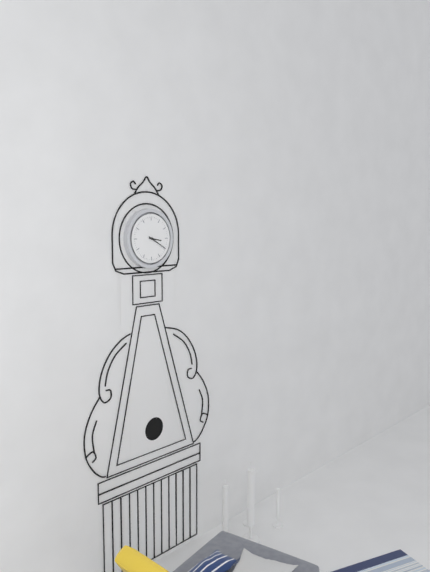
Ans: 3:20
